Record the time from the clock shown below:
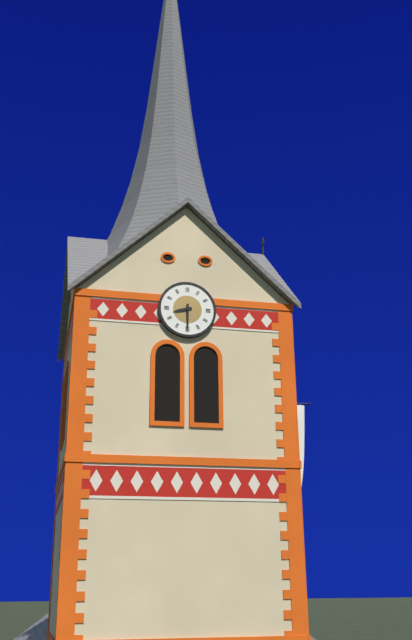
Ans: 8:30
